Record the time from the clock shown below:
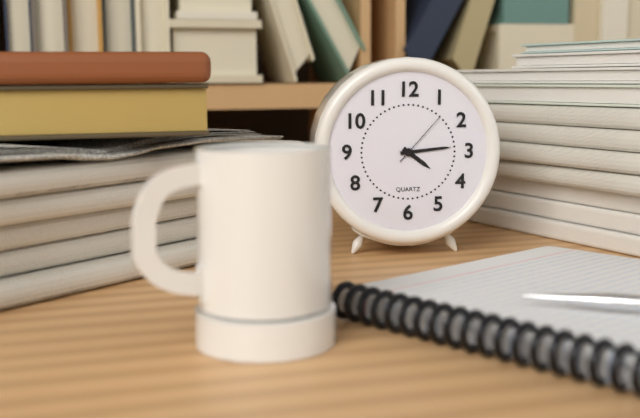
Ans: 4:14:07
